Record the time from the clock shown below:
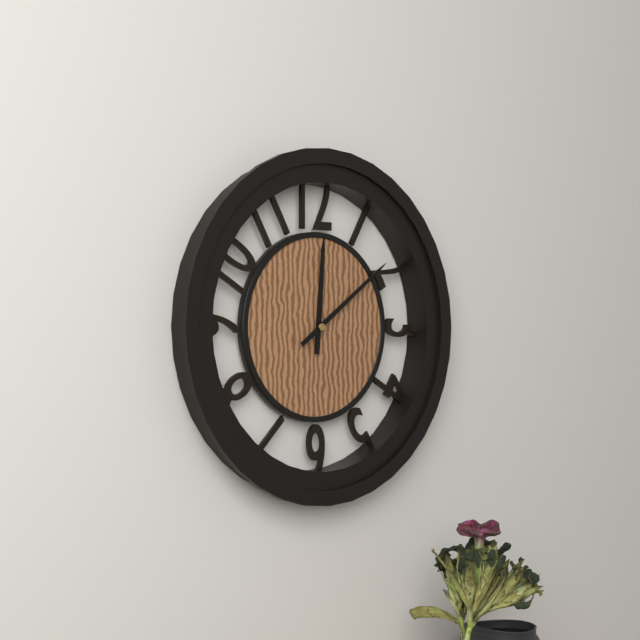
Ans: 12:09
